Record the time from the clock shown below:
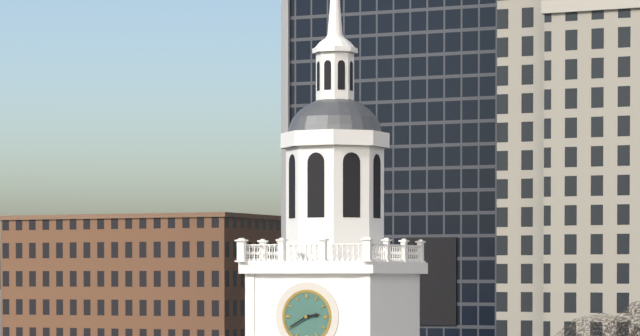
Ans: 2:40
